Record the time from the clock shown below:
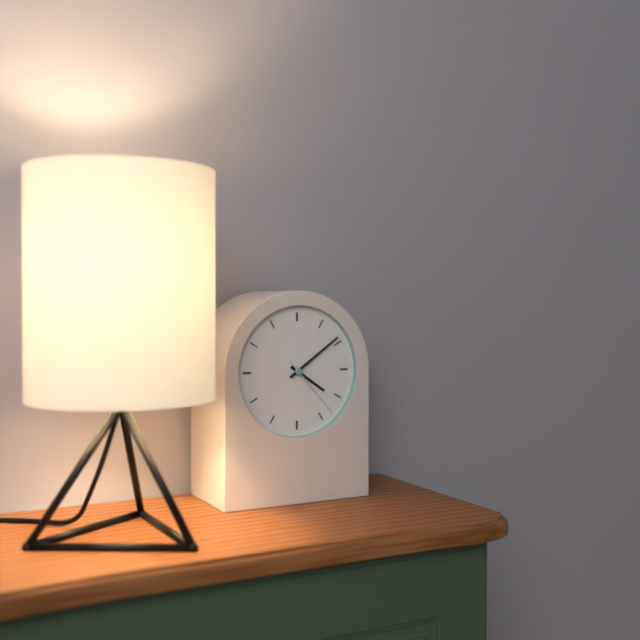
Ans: 4:09:23
